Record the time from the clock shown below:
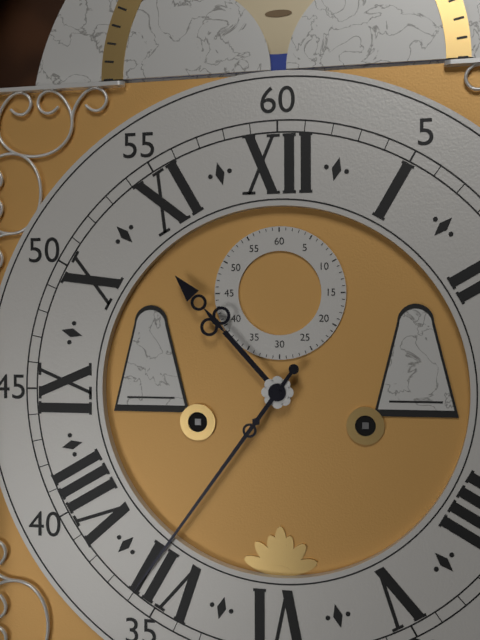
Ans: 10:36
